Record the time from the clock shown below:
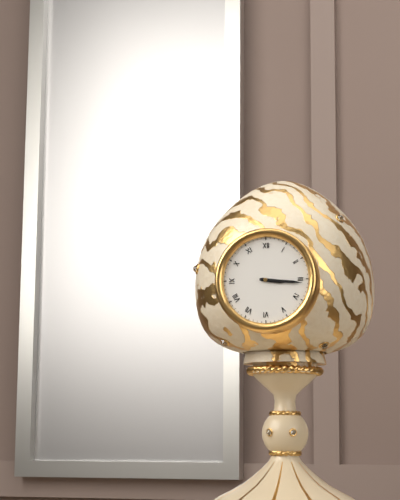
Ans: 3:16
